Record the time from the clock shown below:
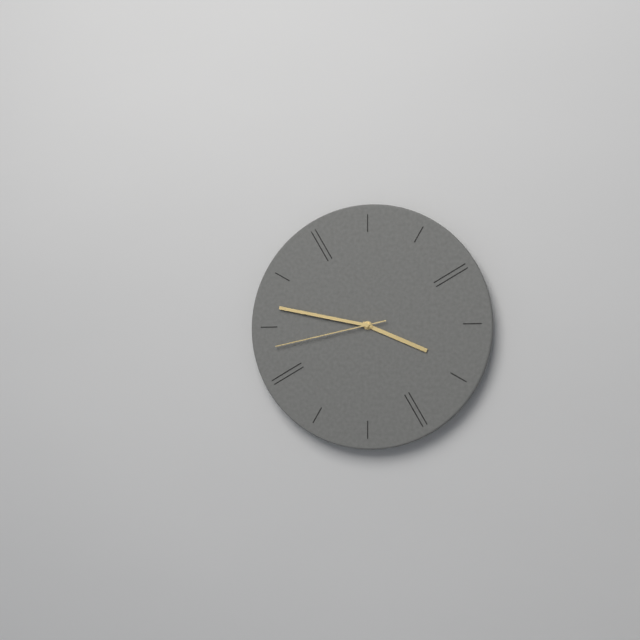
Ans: 3:47:43
